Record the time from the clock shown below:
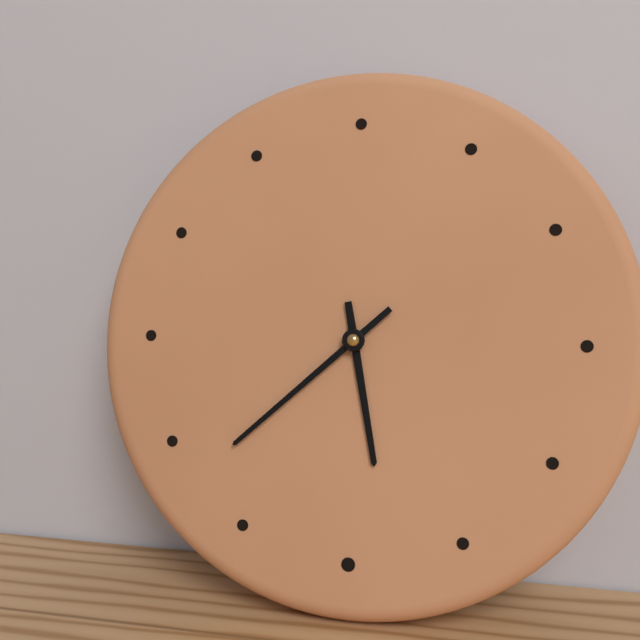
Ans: 5:38
